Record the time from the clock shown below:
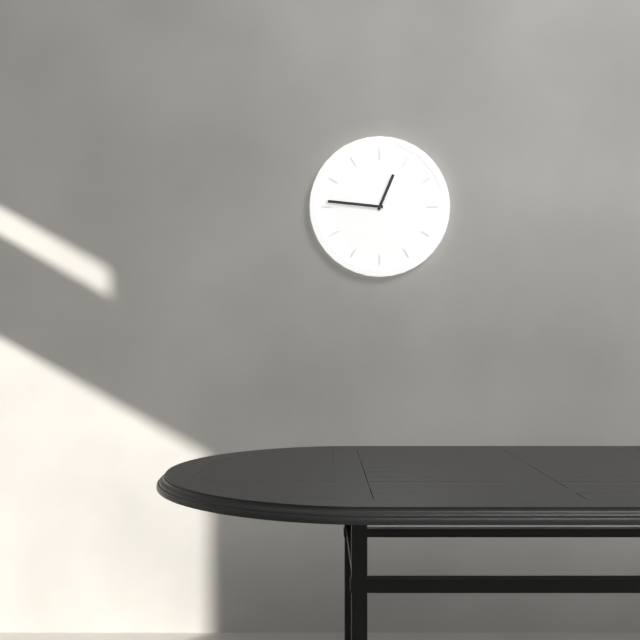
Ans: 12:46
